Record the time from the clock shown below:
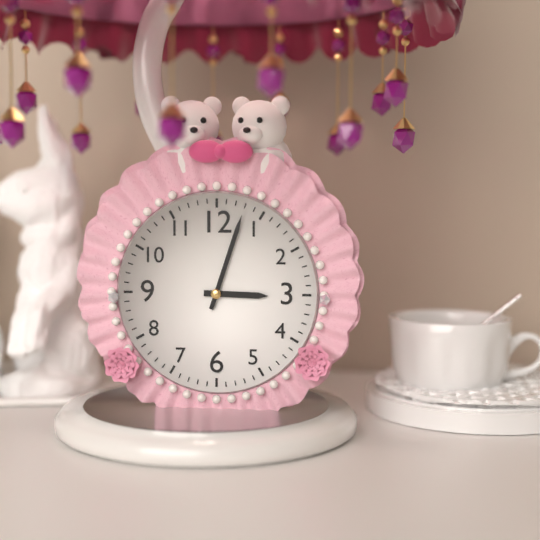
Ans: 3:03
